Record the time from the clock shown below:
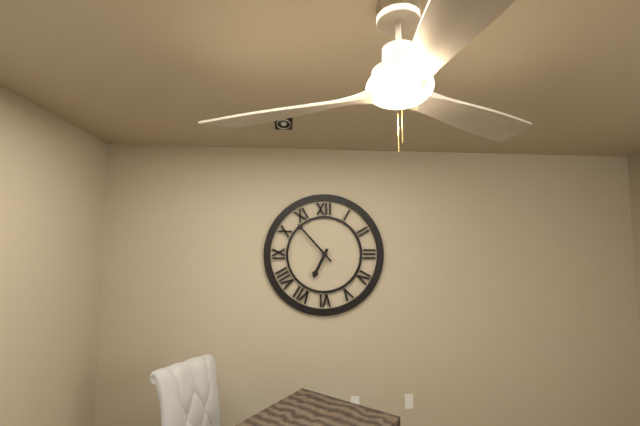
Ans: 6:53
